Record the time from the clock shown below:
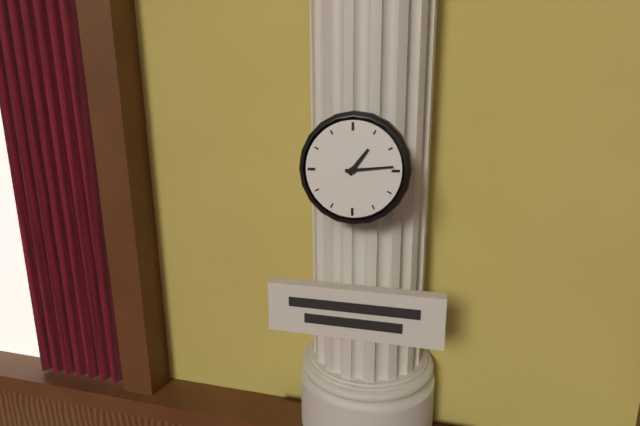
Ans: 1:14
